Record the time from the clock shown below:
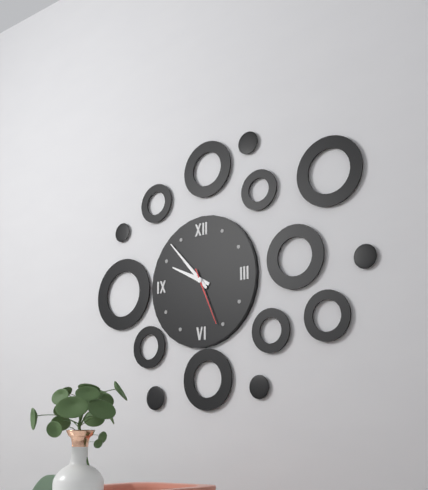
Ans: 9:53:26
